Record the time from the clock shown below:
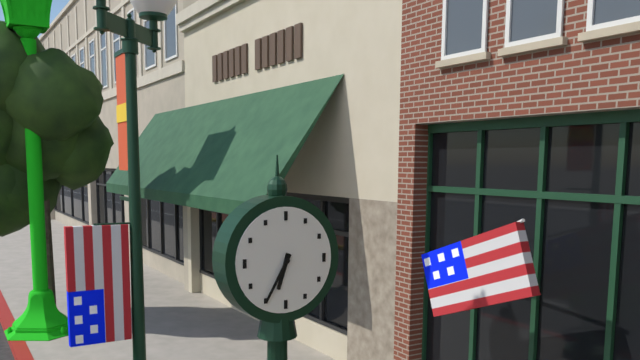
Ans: 6:35
